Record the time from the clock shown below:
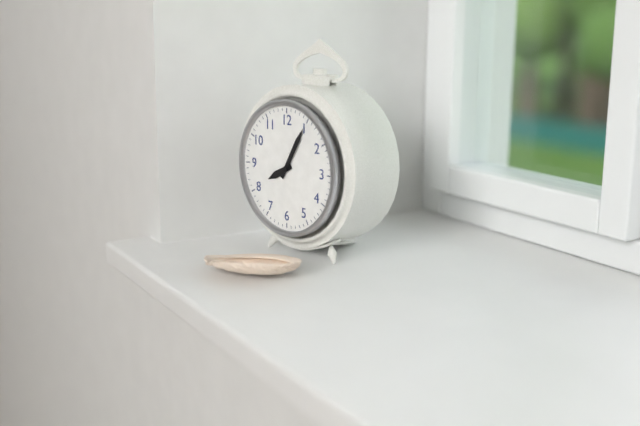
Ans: 8:05
